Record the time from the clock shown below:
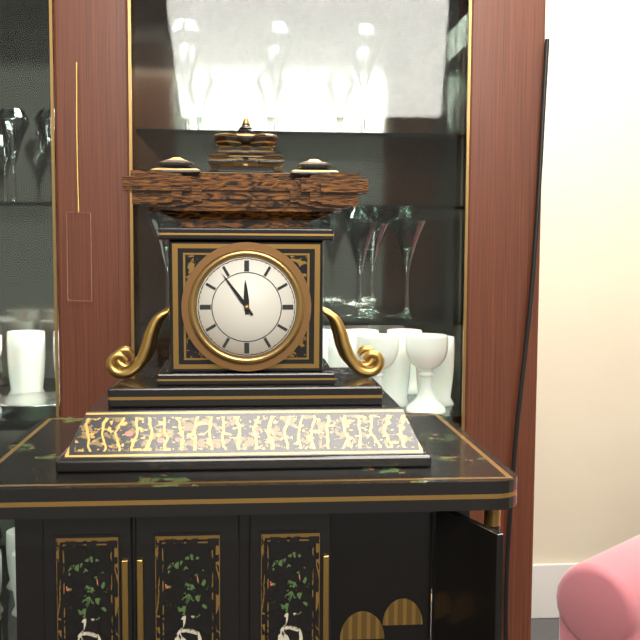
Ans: 11:54
